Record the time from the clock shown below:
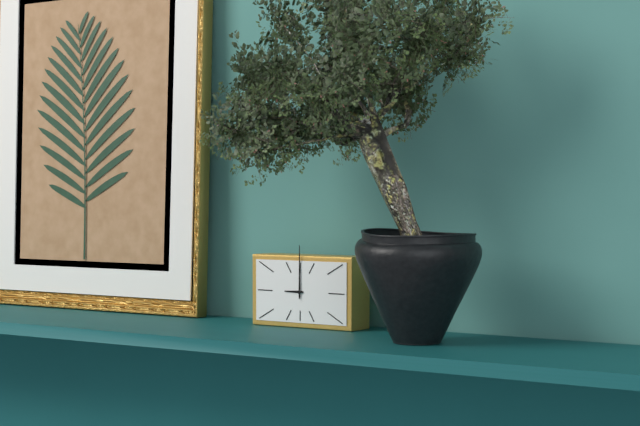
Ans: 9:00
